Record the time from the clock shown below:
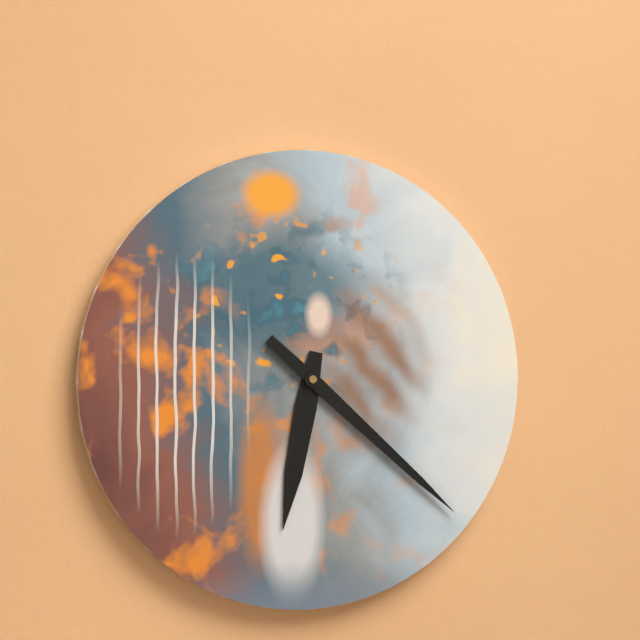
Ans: 6:22
